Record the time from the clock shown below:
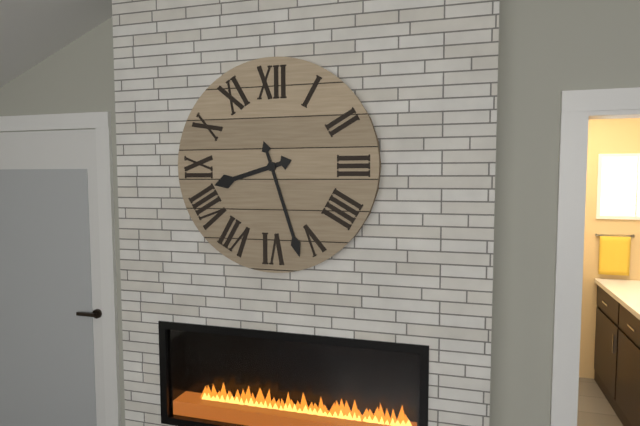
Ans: 8:27
